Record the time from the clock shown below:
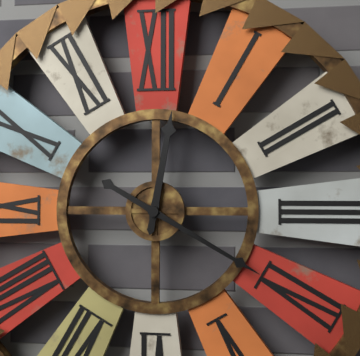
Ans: 12:20
